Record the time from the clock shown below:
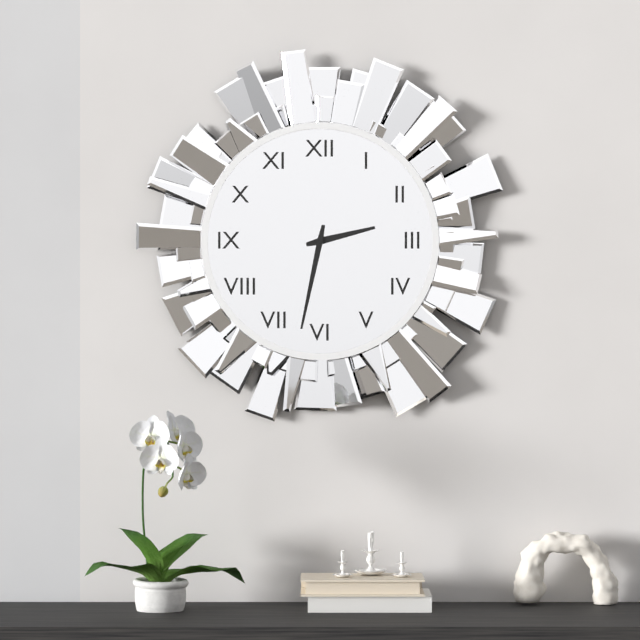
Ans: 2:32
